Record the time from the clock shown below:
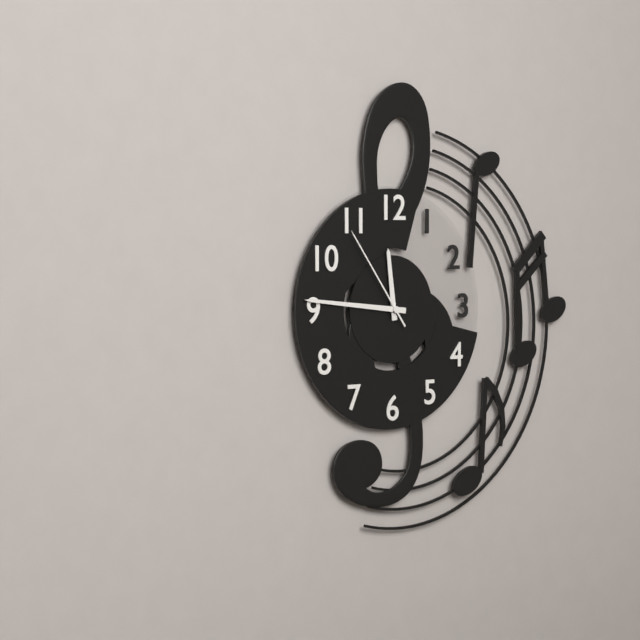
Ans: 11:46:54
